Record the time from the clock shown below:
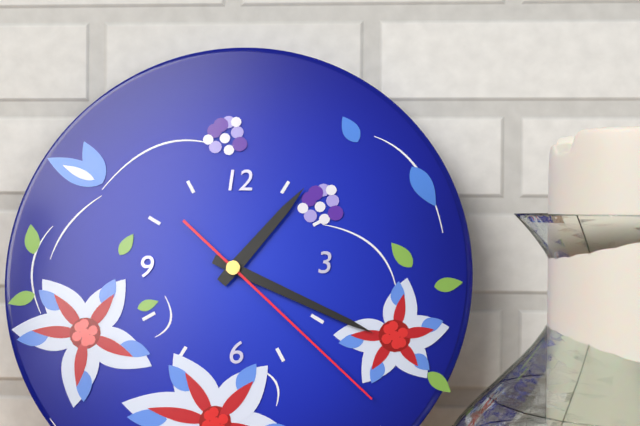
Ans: 1:19:22
